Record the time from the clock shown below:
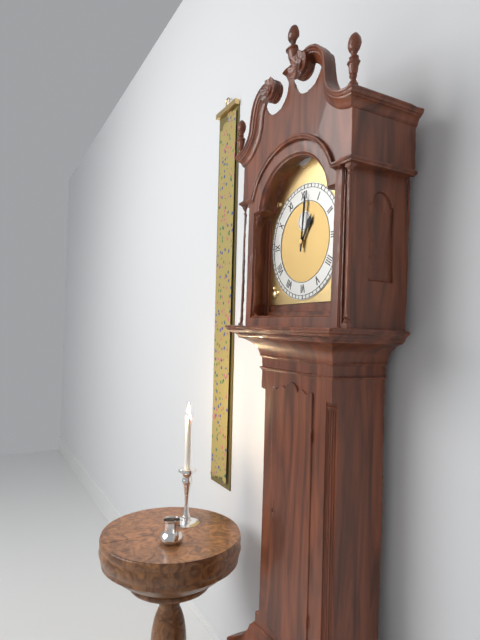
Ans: 1:01
